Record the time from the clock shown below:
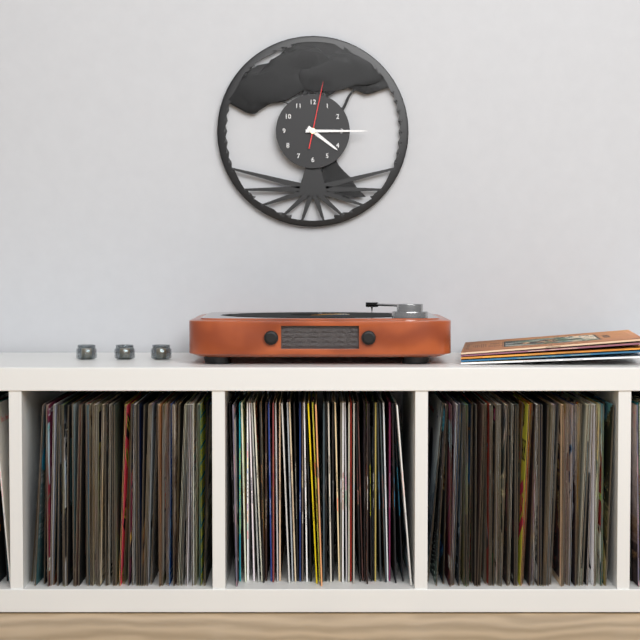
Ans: 4:15:02
